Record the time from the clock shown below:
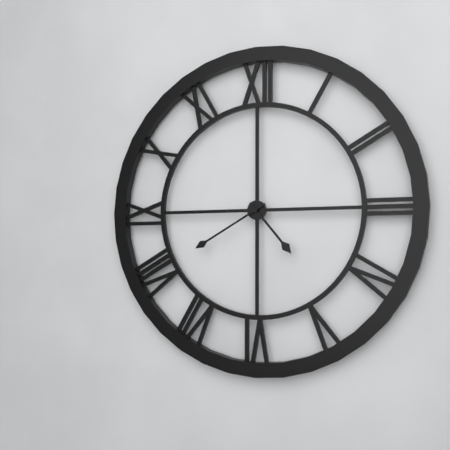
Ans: 4:40
